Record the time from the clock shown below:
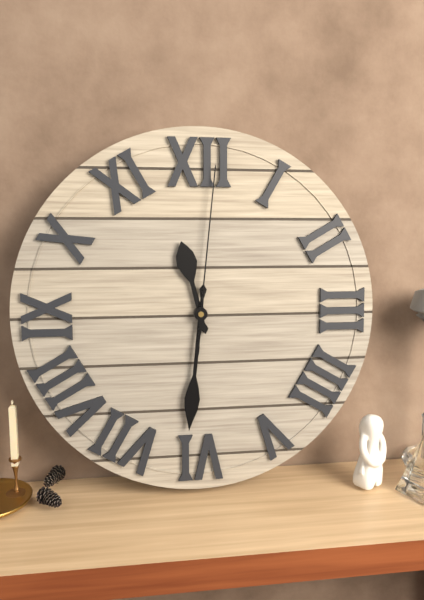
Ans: 11:31:01
